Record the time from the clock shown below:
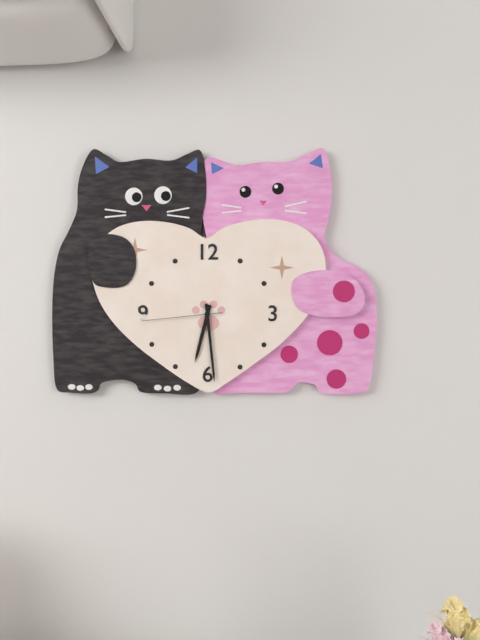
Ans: 6:29:44
